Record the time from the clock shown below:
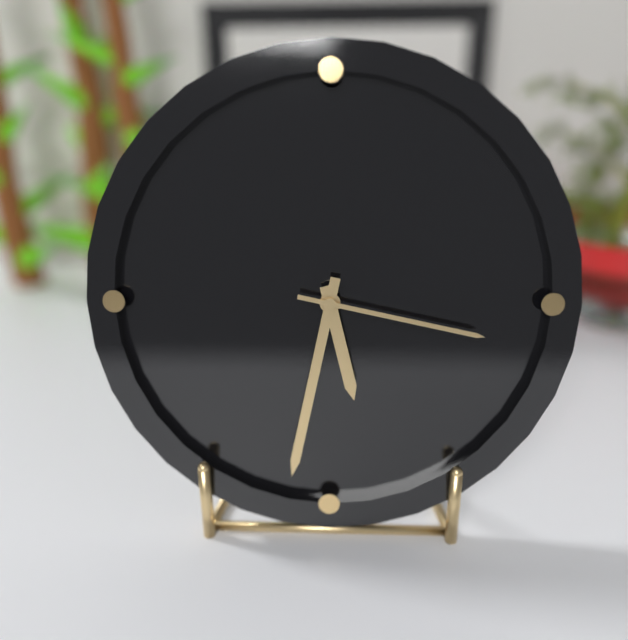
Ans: 5:32:17
